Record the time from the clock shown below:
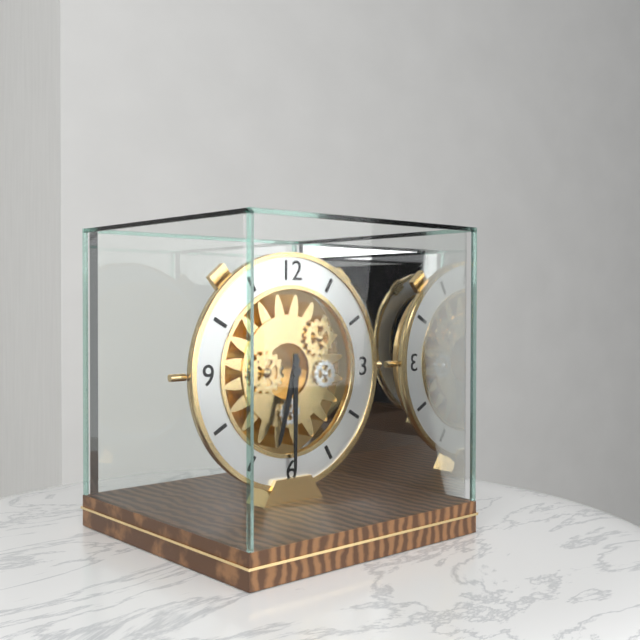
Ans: 6:30
